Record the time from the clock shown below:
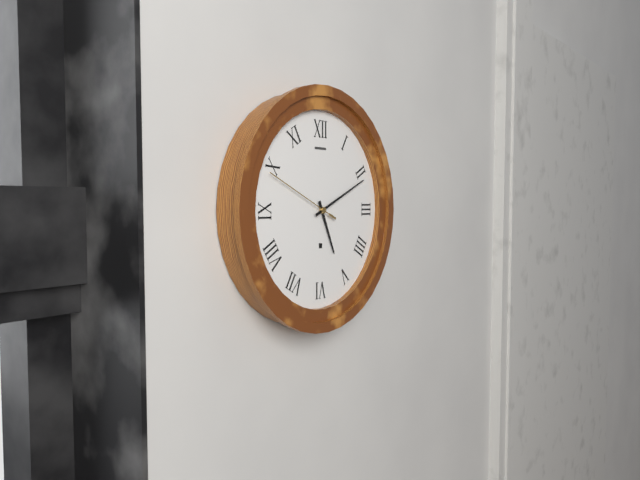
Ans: 5:11:49
